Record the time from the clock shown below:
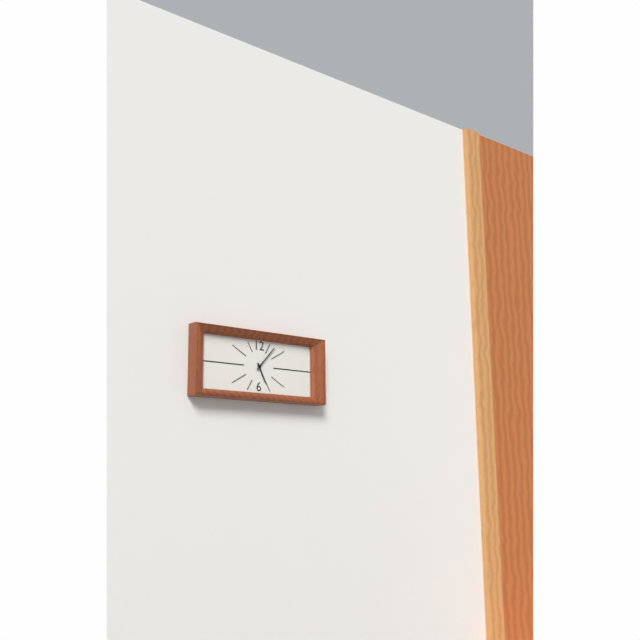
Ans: 5:07
